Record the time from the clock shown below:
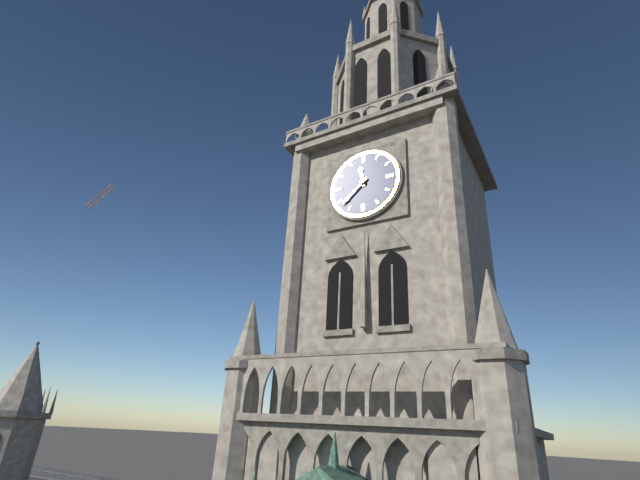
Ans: 11:38
